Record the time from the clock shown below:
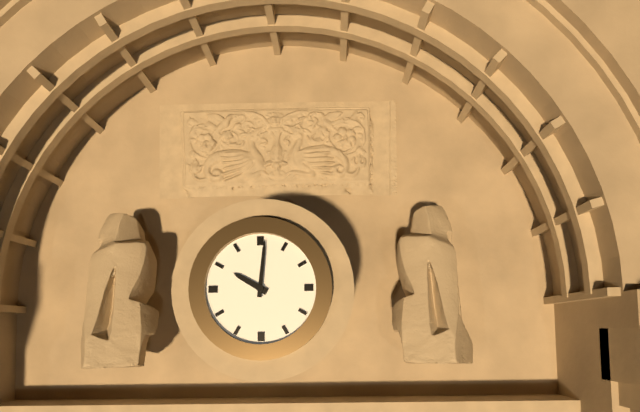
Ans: 10:01
